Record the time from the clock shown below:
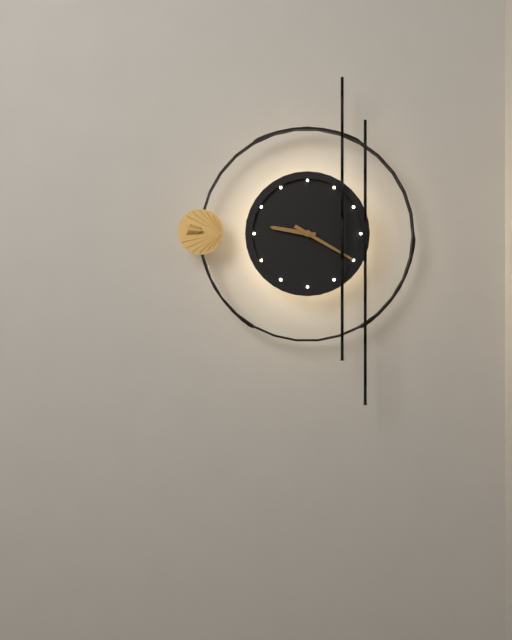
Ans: 9:20
